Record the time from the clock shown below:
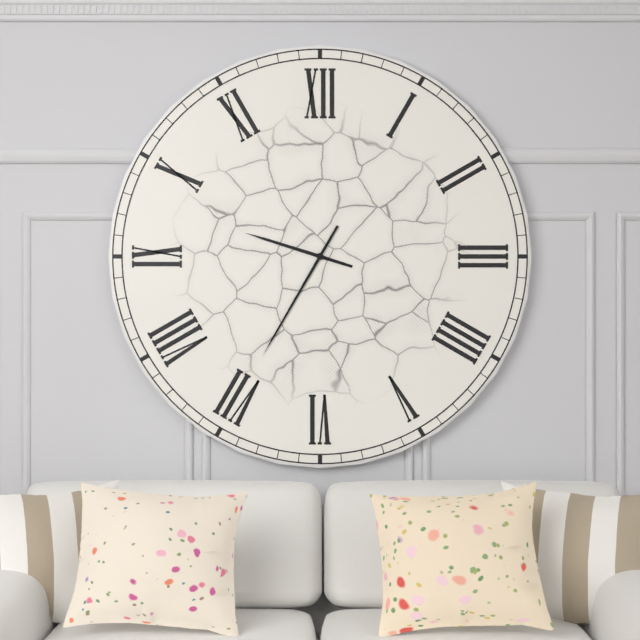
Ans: 9:35
